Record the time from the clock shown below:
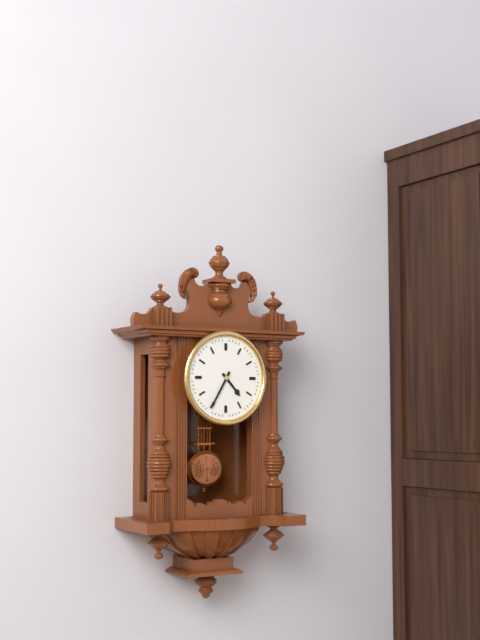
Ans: 4:35
